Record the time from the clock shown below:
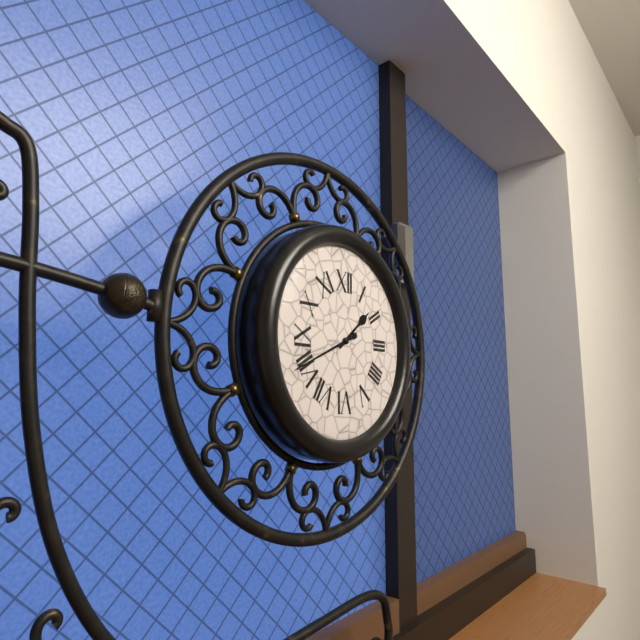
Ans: 1:41
